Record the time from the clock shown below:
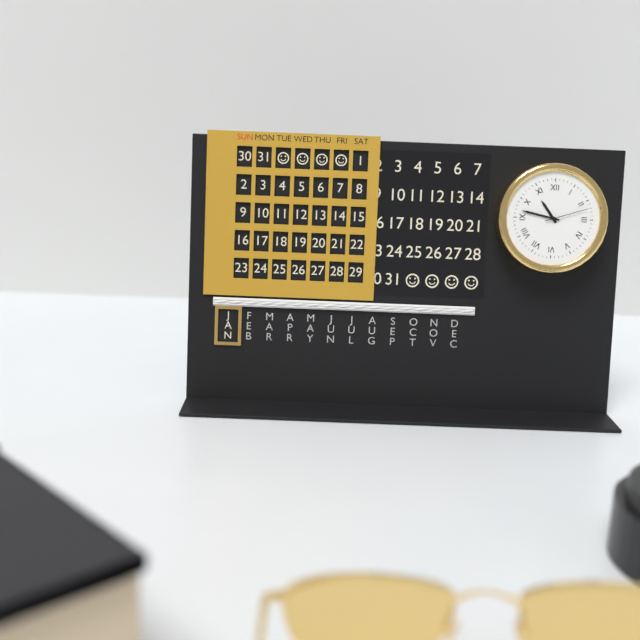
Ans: 10:47
